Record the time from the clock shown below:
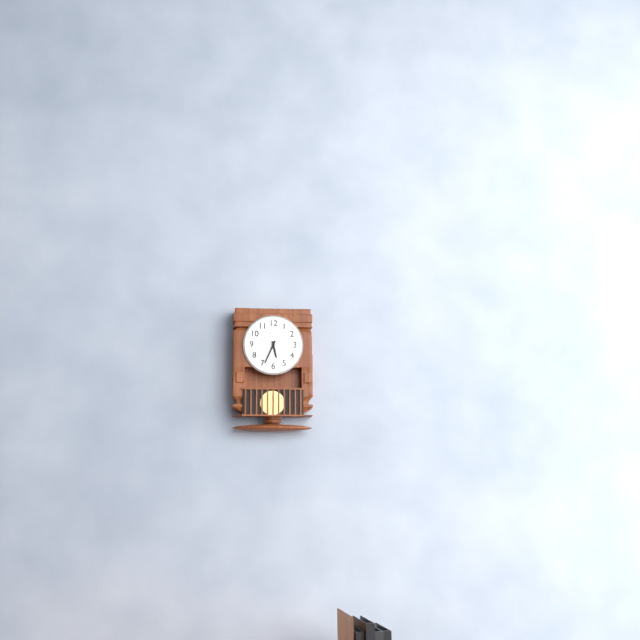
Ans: 5:34
